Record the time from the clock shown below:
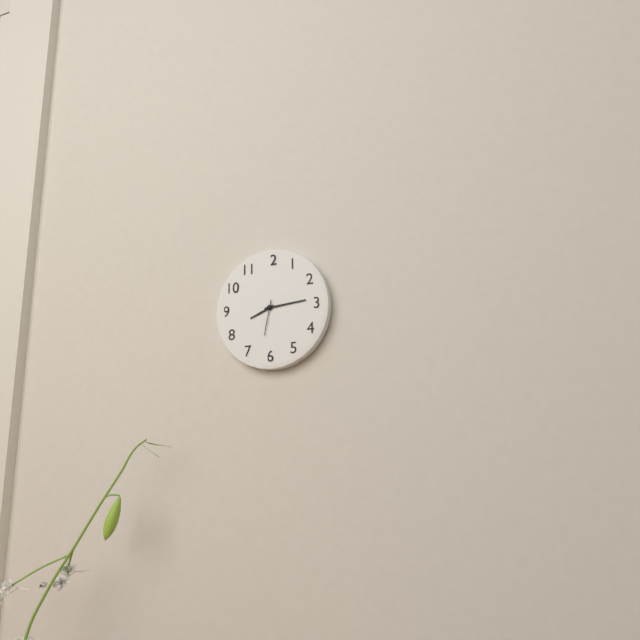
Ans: 8:14
